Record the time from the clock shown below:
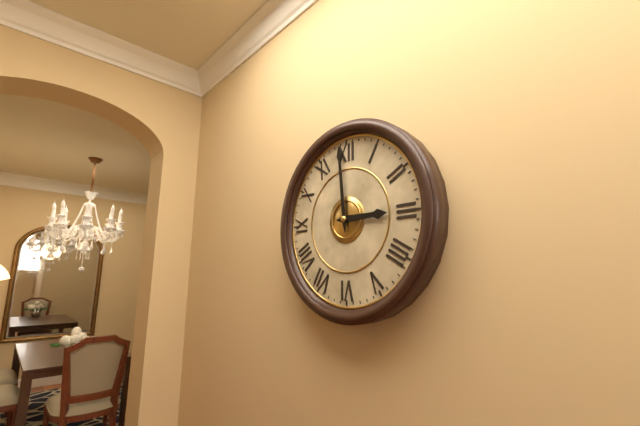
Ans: 2:59
